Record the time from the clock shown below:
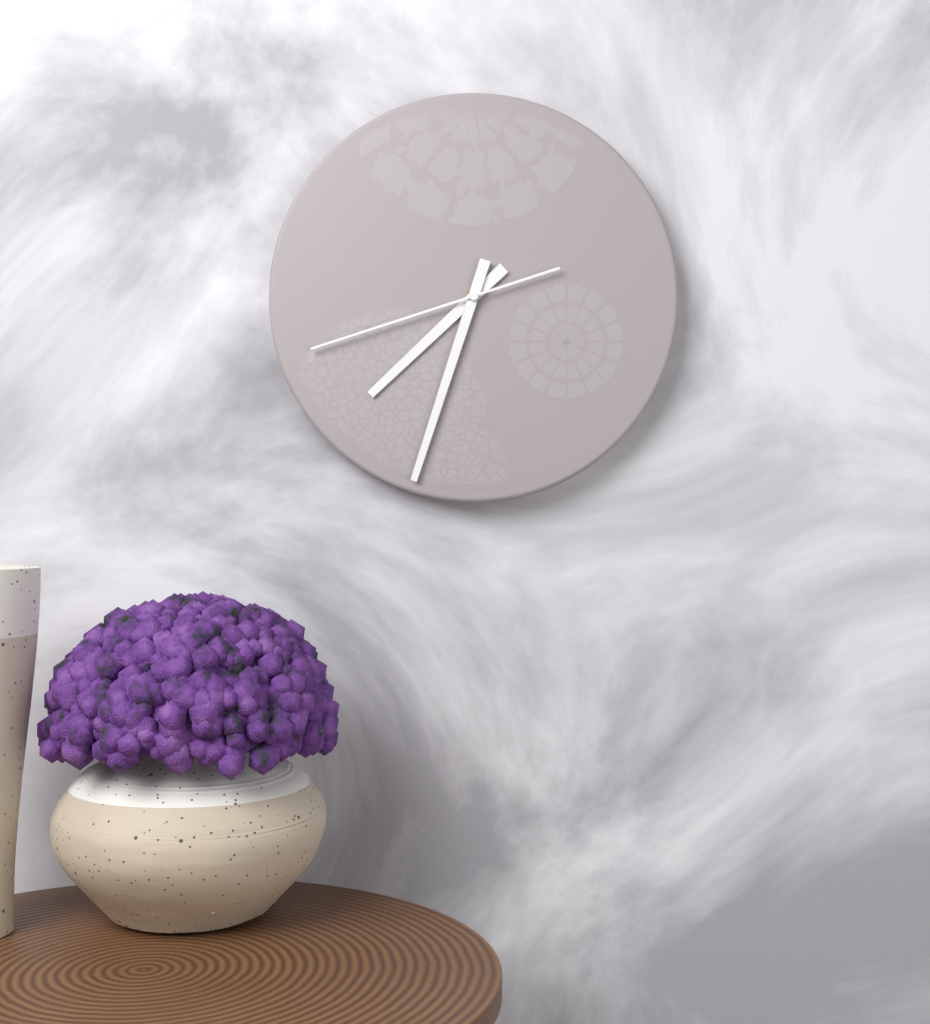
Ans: 7:33:42
